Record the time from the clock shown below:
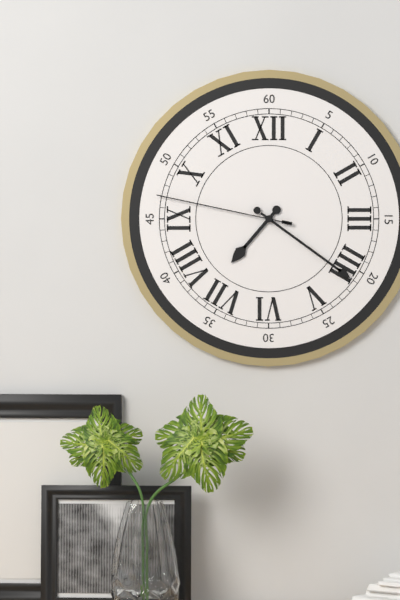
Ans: 7:21:47
